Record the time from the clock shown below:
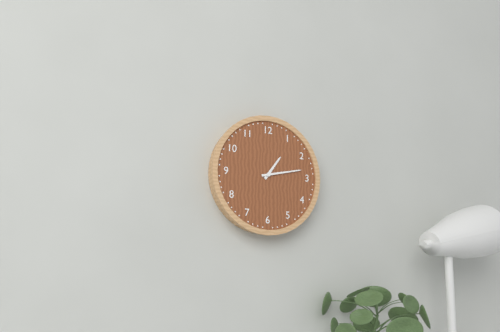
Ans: 1:13
